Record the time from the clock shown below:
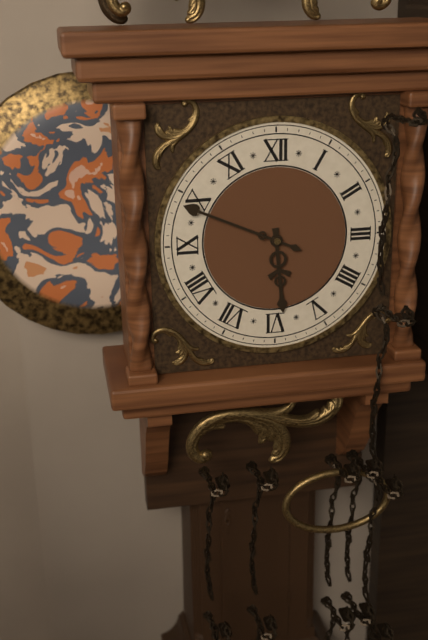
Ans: 5:49
